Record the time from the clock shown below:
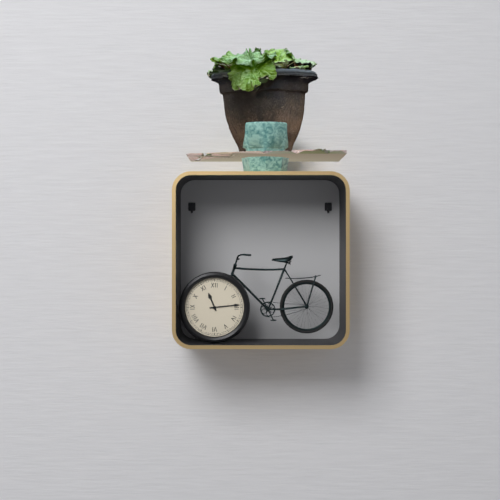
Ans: 11:14
